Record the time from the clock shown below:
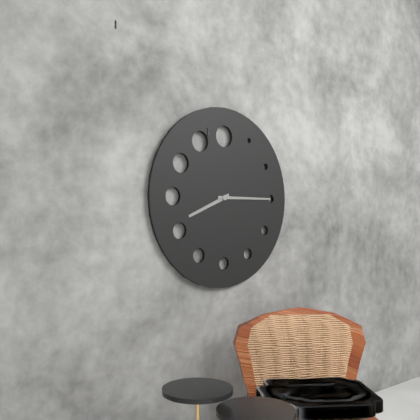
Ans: 8:15
